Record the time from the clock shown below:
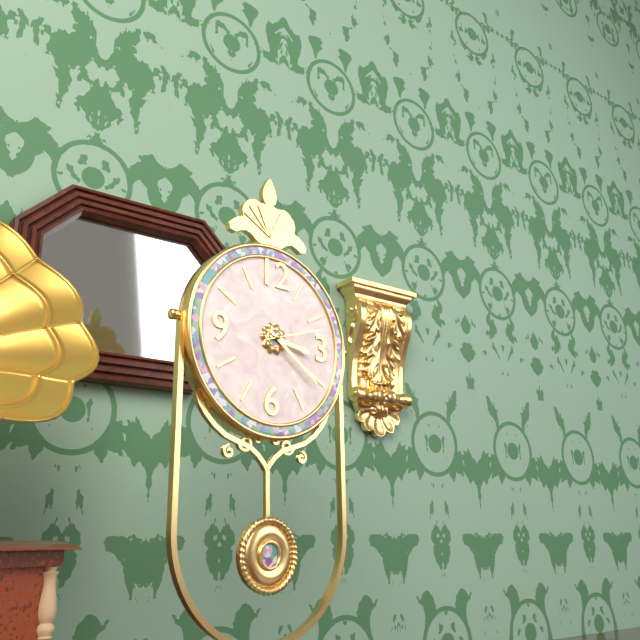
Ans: 3:21:12
